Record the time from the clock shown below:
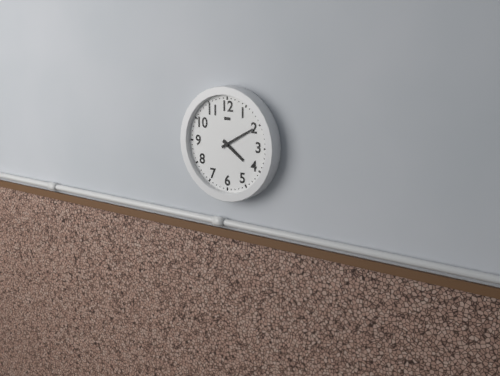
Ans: 4:10
